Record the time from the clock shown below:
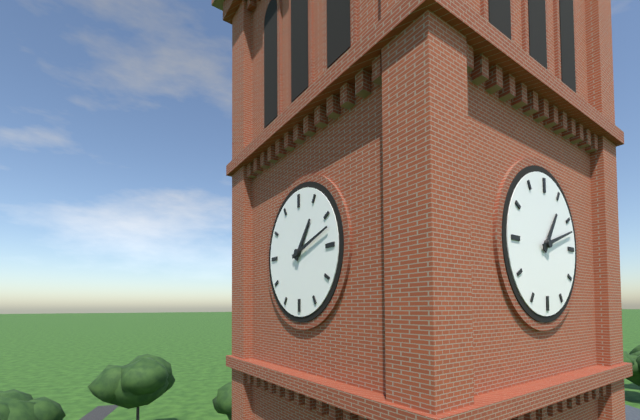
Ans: 1:12
